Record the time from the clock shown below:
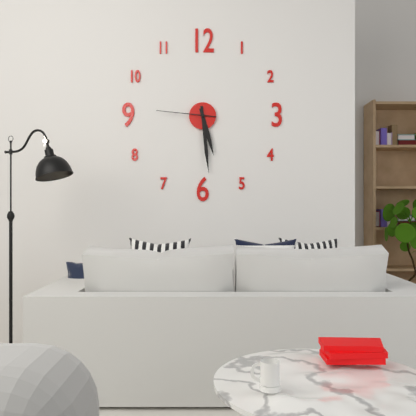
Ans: 5:29:46
